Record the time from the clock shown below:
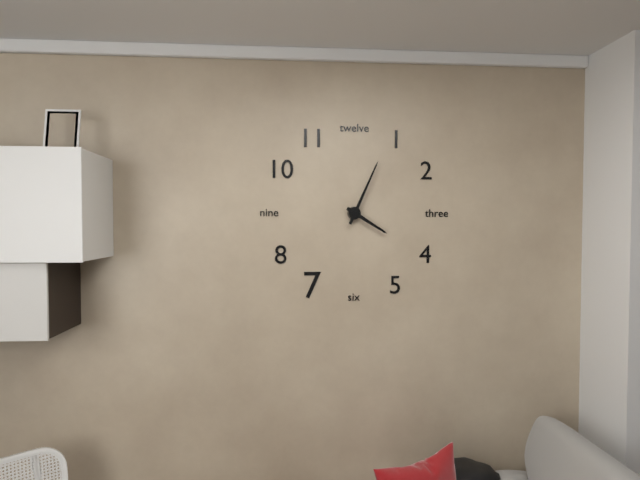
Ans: 4:04
